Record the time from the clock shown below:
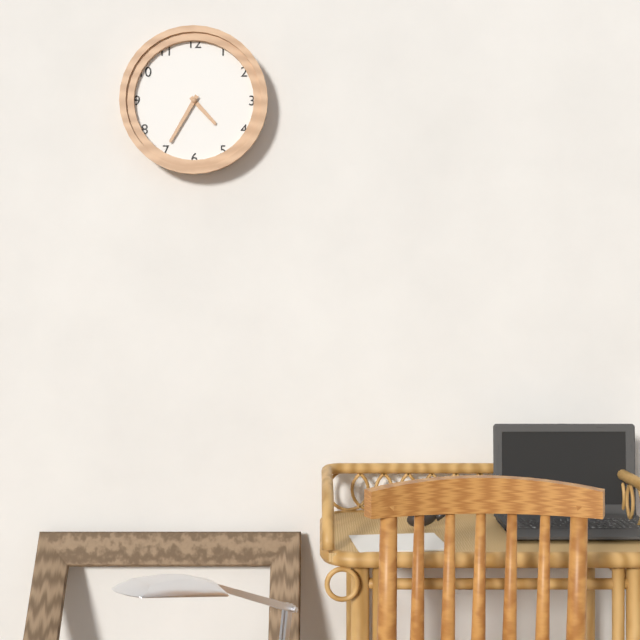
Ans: 4:35
